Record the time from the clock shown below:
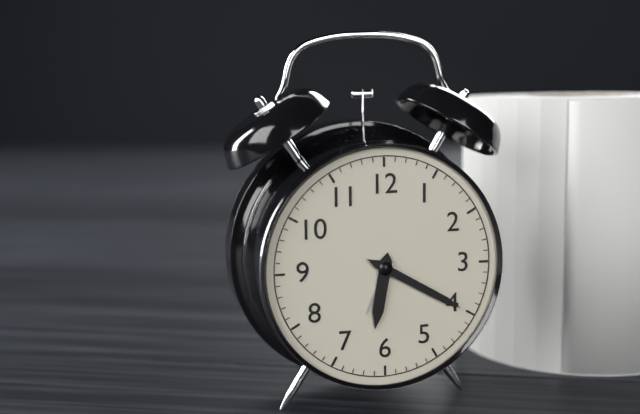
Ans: 6:20
